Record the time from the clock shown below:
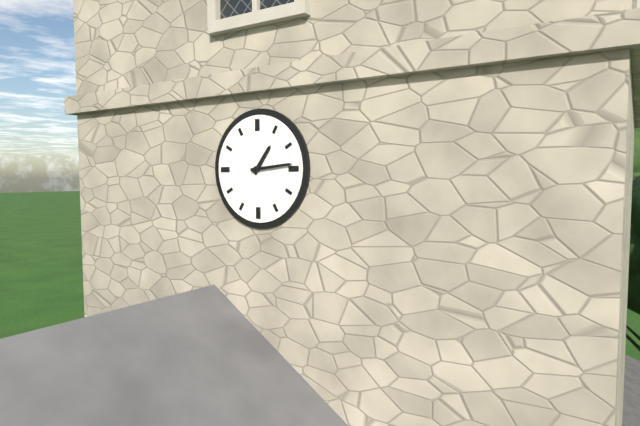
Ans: 1:14
